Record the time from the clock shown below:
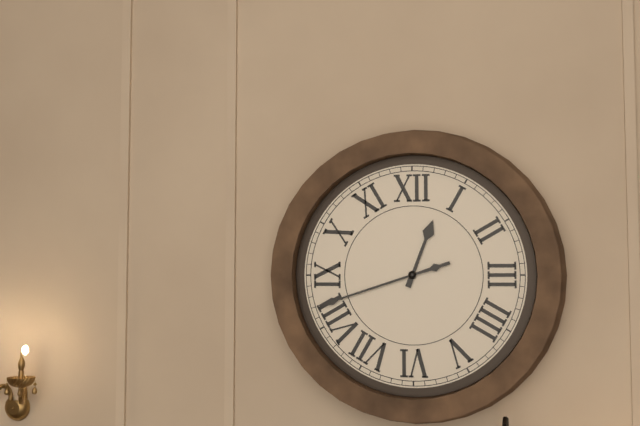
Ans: 12:42
